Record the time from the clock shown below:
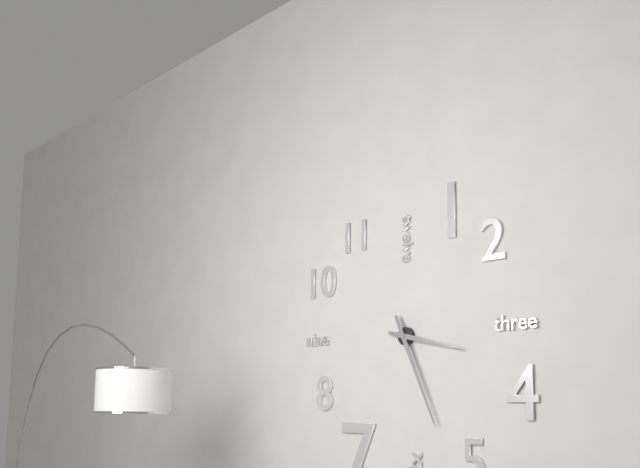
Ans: 3:26
